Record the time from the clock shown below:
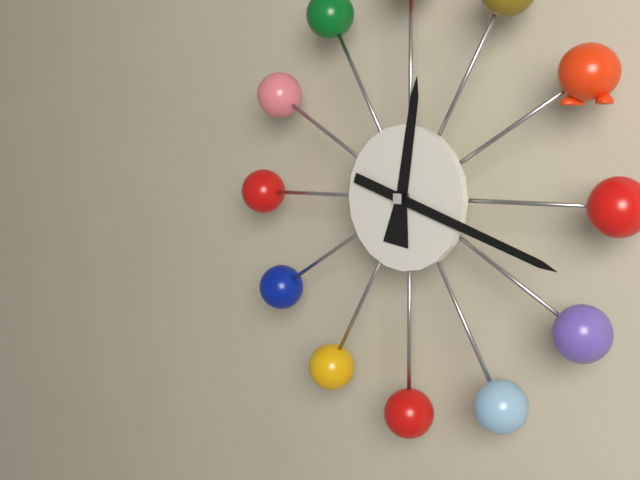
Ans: 12:18
